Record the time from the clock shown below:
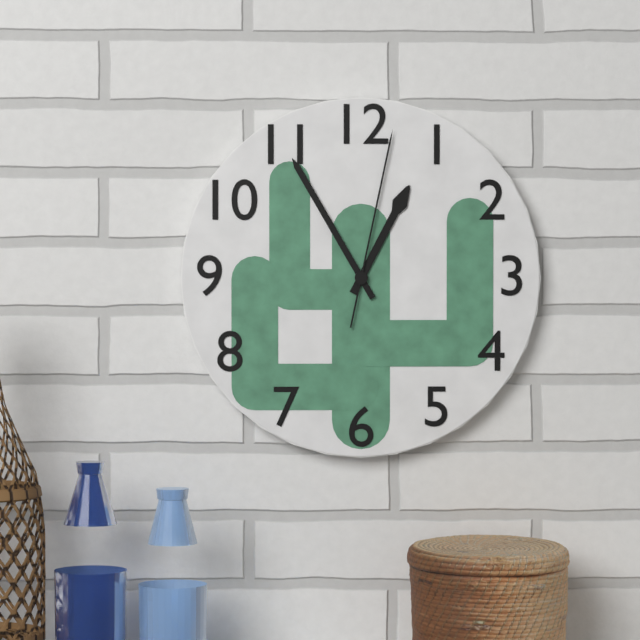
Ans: 12:55:02
